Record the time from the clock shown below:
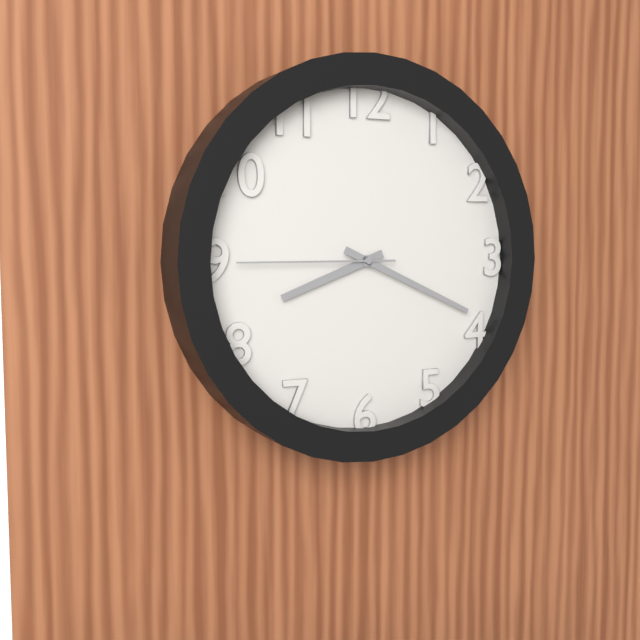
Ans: 8:19:45
